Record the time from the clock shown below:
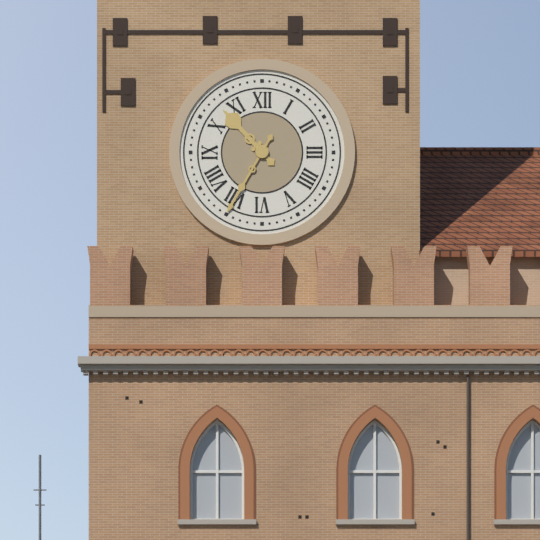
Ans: 10:35
